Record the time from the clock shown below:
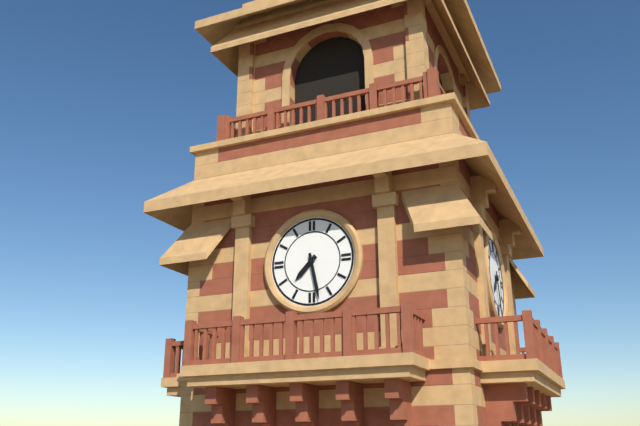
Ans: 7:28
